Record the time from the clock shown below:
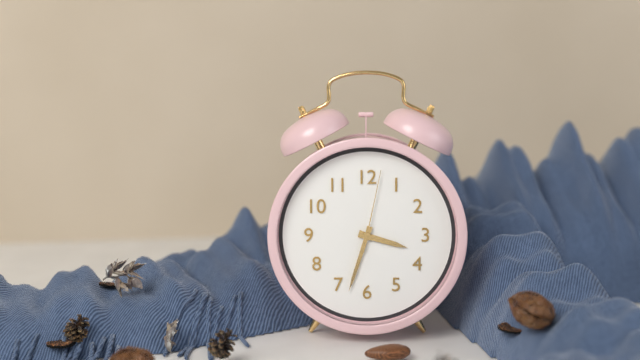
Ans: 3:33:02
